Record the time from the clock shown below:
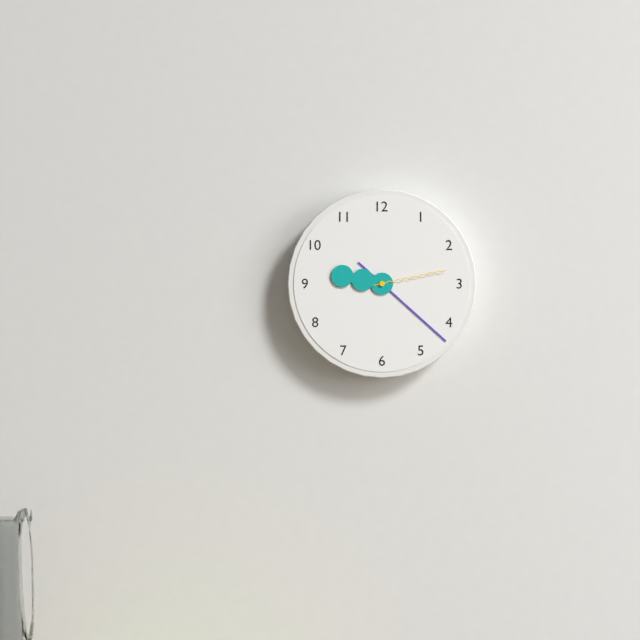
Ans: 9:22:13
